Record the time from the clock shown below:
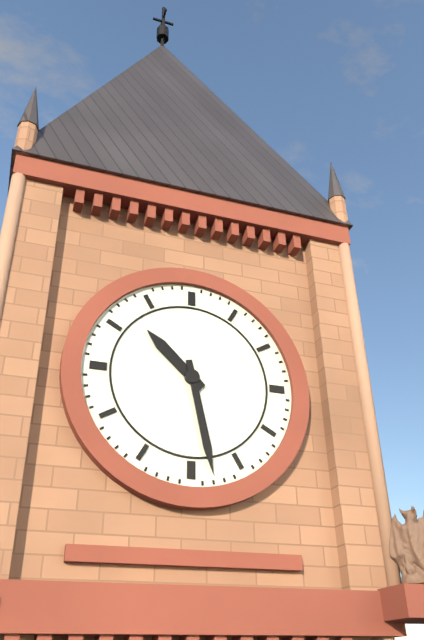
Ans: 10:28
